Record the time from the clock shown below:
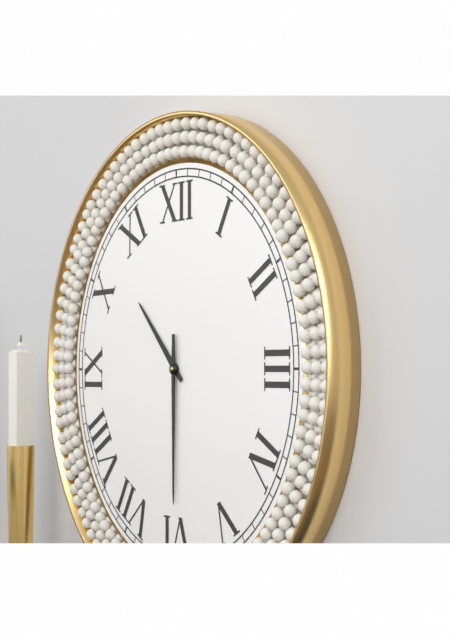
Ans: 10:30
